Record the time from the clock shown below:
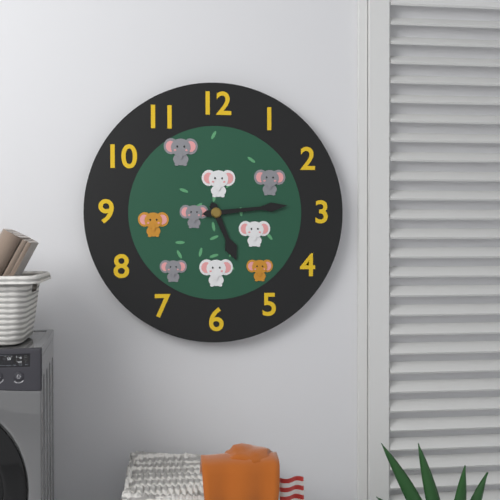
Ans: 5:14
